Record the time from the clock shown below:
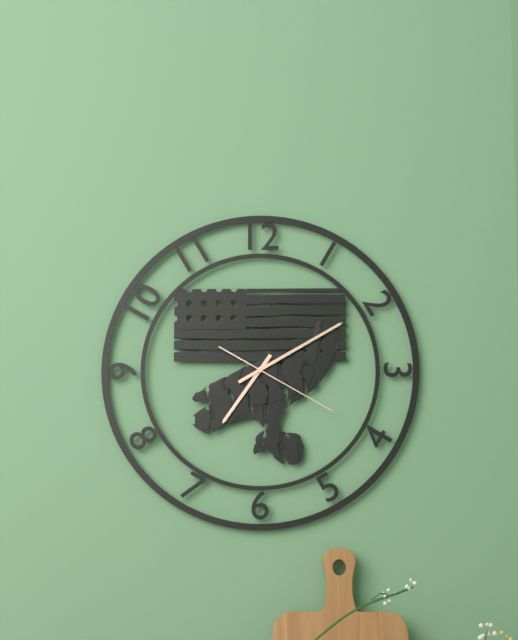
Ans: 7:10:20
